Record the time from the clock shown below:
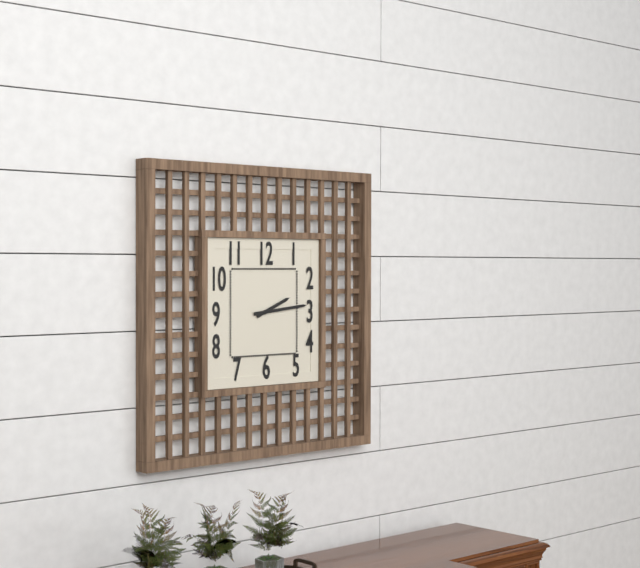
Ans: 2:14
